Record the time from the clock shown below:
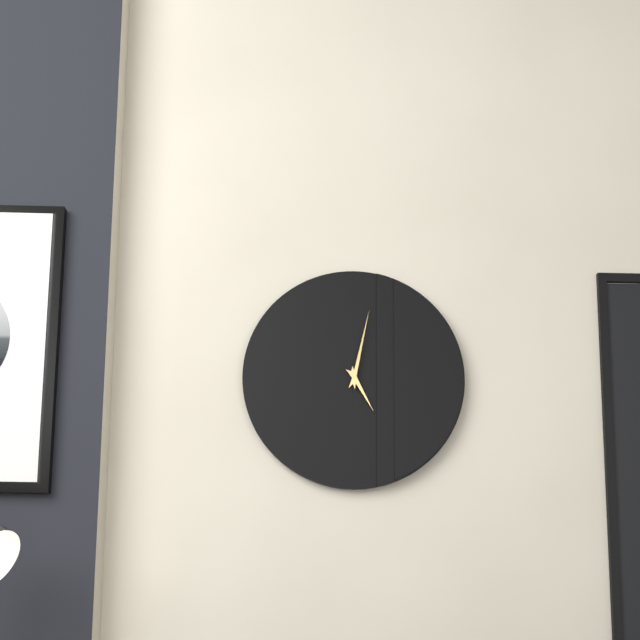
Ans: 5:02
